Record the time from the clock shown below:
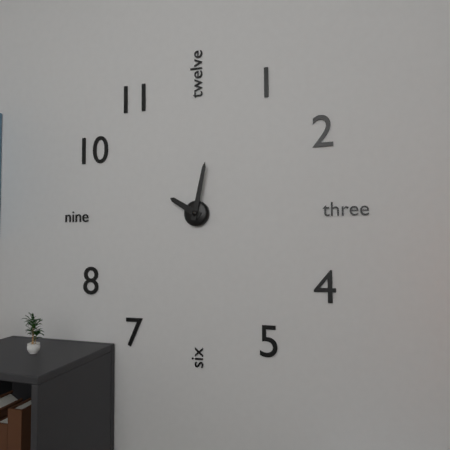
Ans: 10:02
